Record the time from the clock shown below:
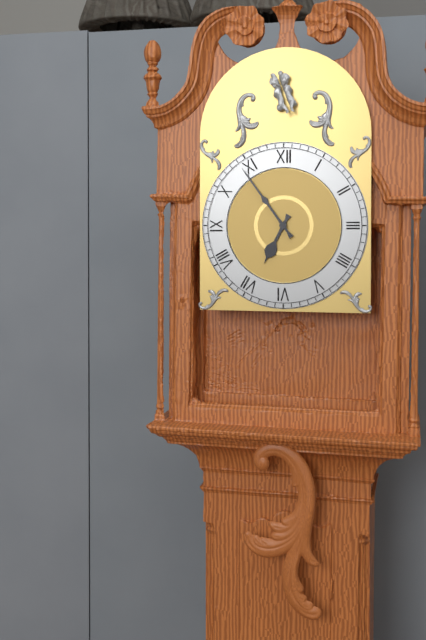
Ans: 6:54
